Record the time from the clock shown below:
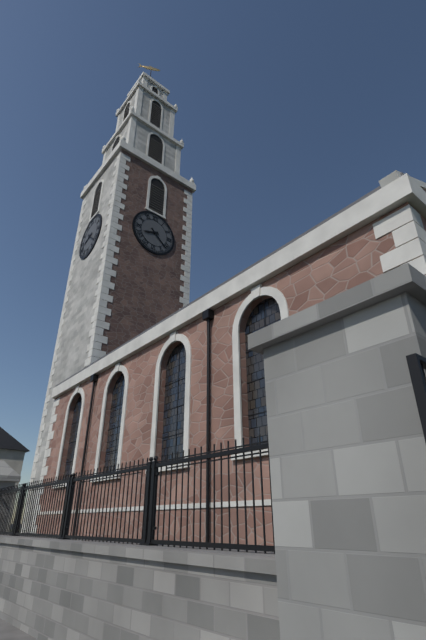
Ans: 8:22
